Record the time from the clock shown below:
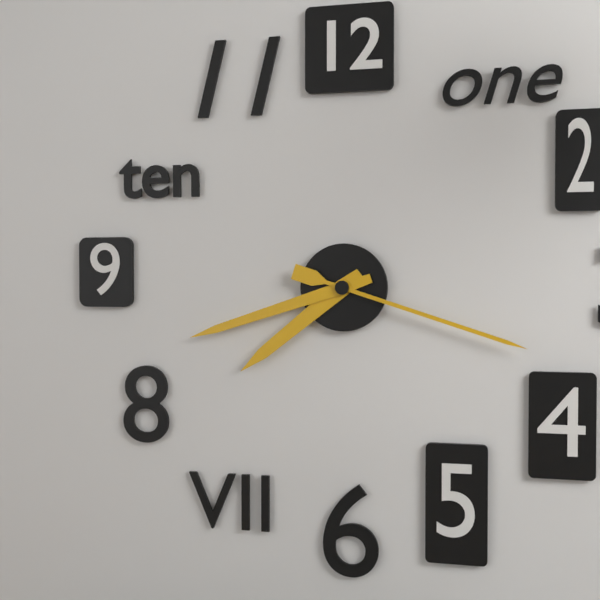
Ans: 7:42:18
